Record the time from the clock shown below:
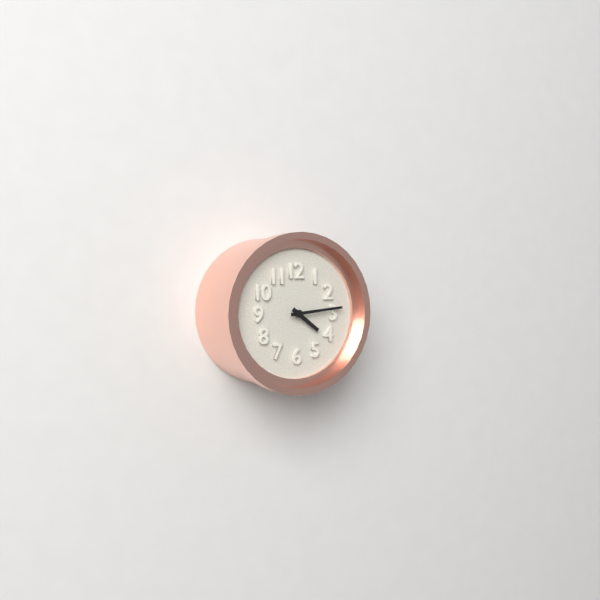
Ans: 4:14
